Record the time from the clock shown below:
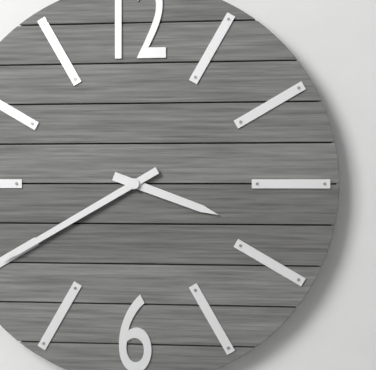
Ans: 3:40
